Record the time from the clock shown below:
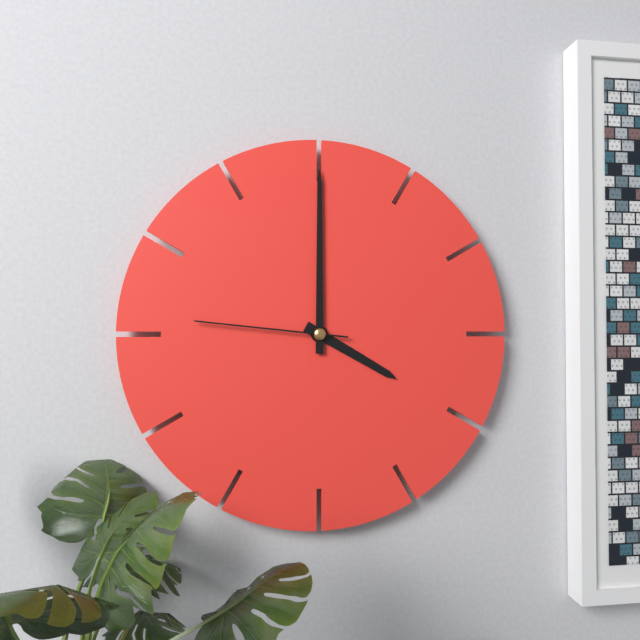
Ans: 4:00:46
